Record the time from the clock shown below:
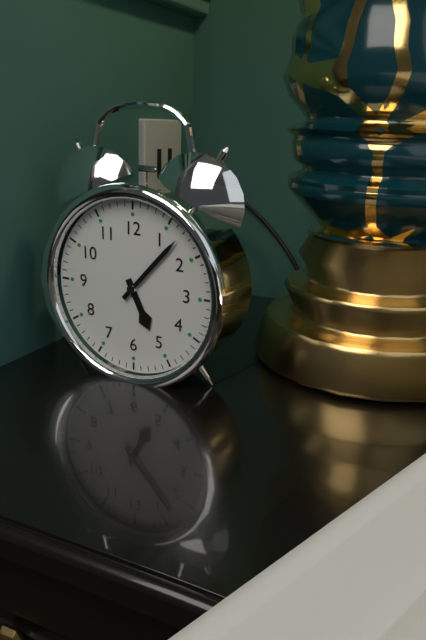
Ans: 5:07
